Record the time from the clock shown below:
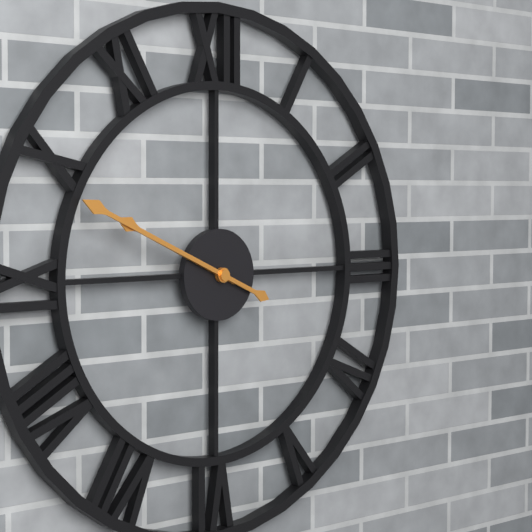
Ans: 9:49
